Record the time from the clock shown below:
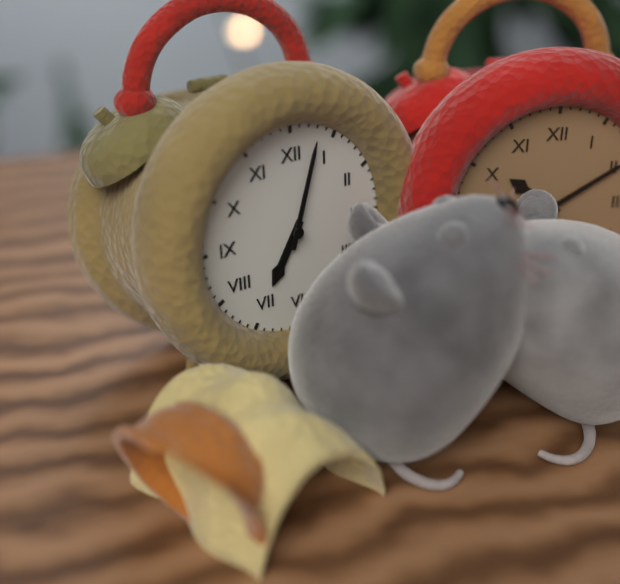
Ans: 7:03
